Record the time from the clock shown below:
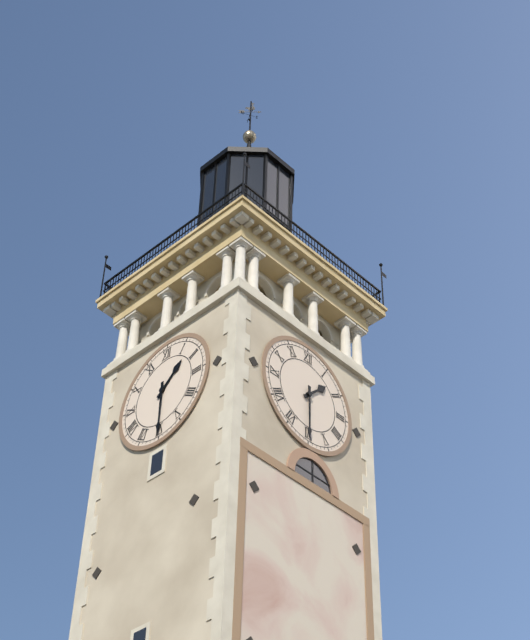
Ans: 1:30
